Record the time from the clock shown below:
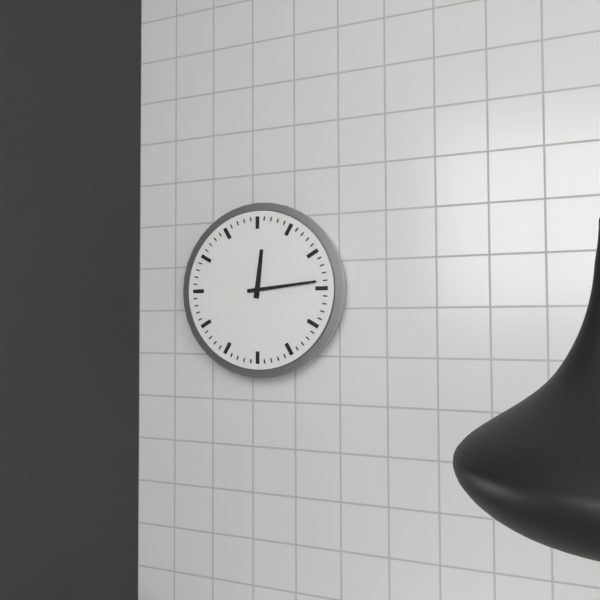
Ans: 12:14
